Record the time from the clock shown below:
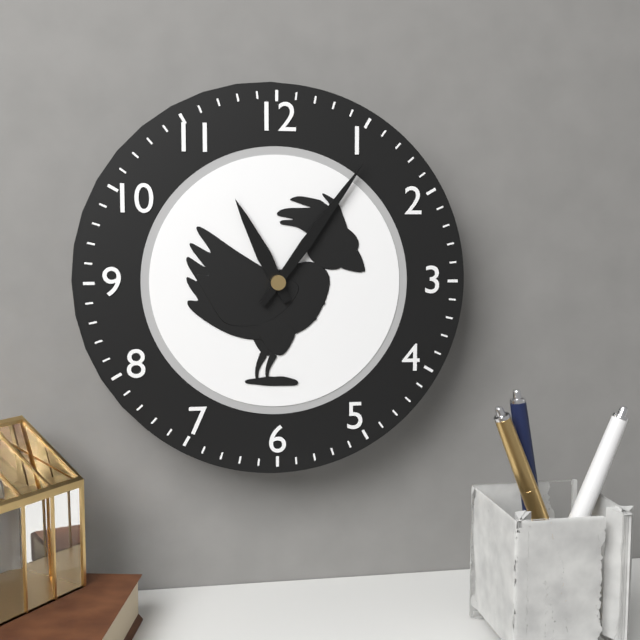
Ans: 11:06
